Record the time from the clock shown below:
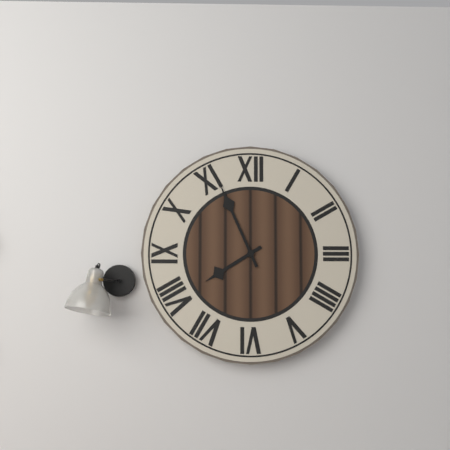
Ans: 7:56
